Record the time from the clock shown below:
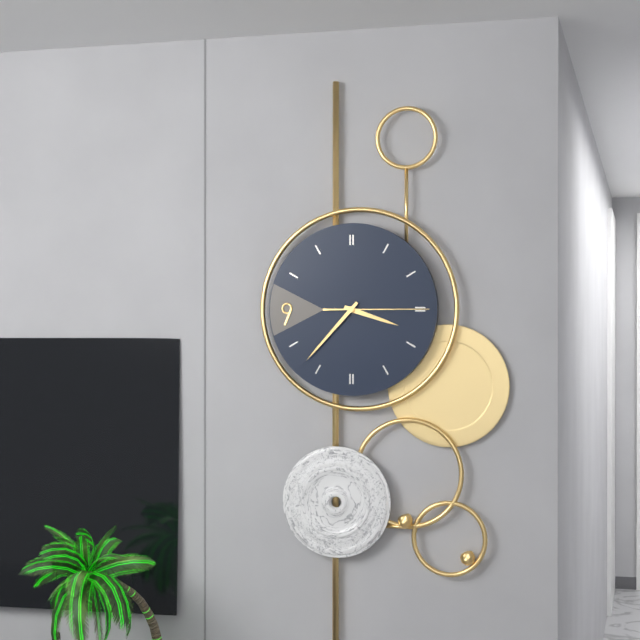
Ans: 3:37:15
